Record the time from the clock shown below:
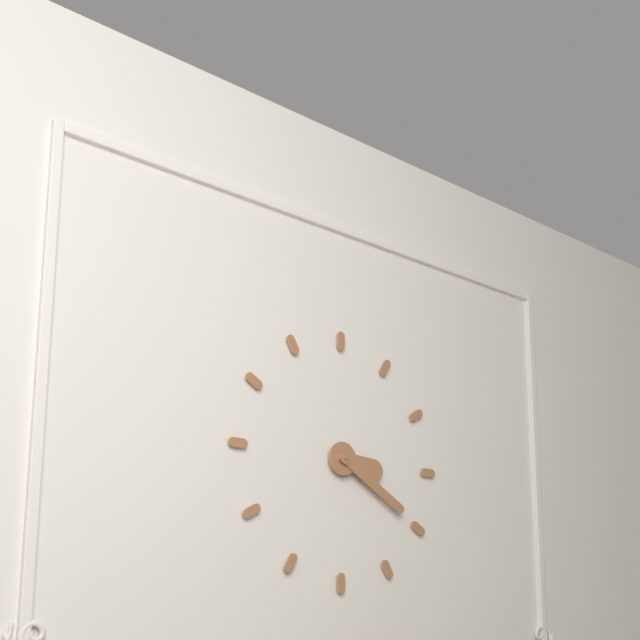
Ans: 3:20
